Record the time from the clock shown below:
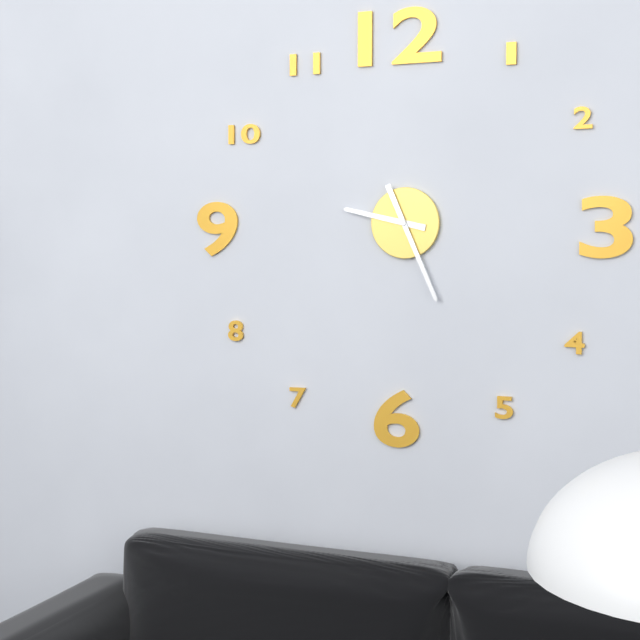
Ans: 9:26
